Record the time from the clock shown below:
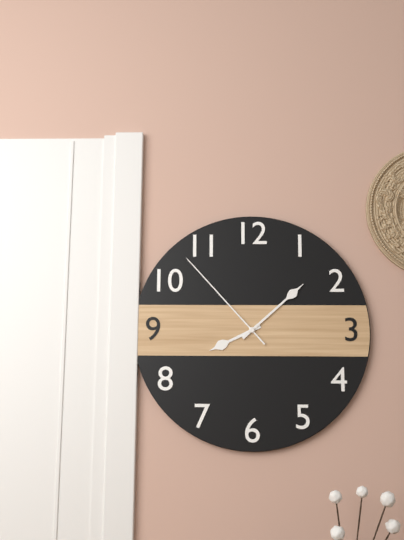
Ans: 8:08:53
